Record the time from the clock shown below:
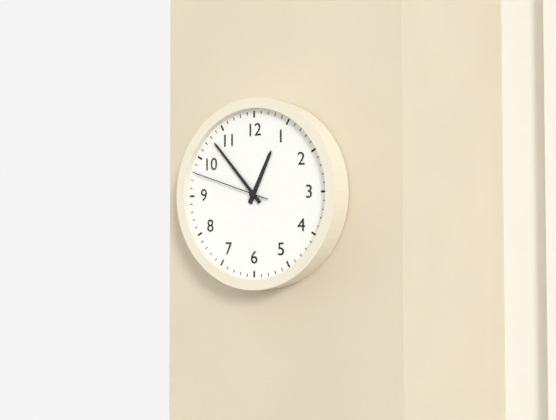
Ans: 12:53:48
